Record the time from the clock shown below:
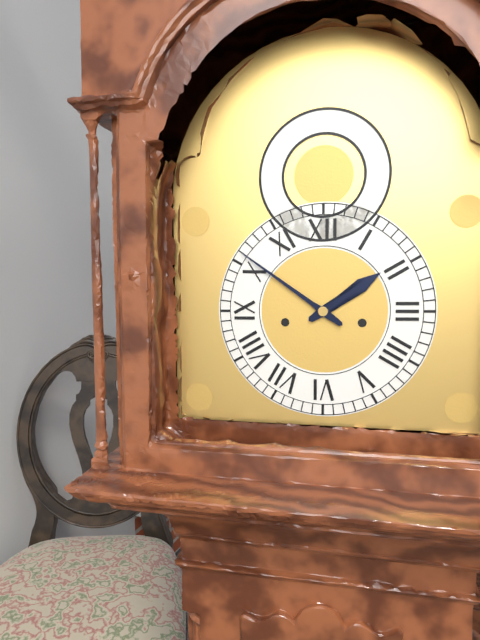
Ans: 1:51
